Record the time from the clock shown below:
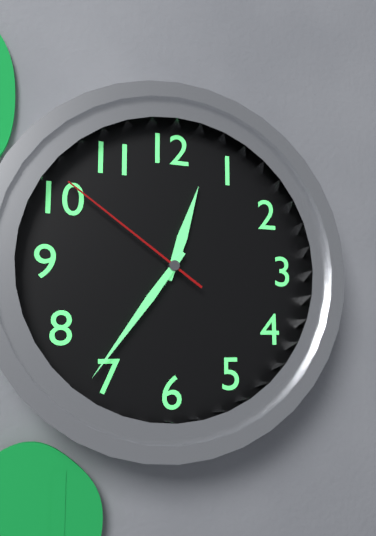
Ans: 12:36:51
